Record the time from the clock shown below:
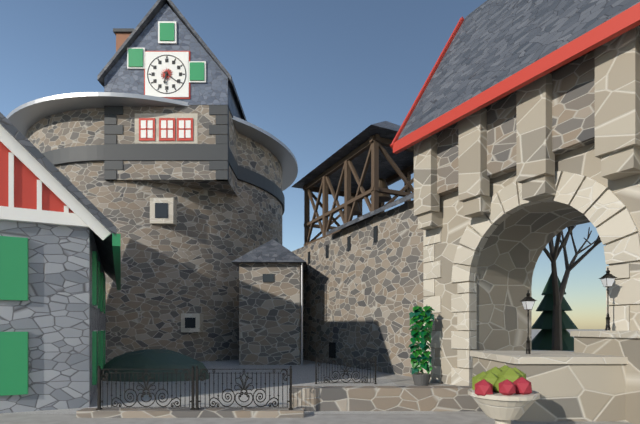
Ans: 6:21
